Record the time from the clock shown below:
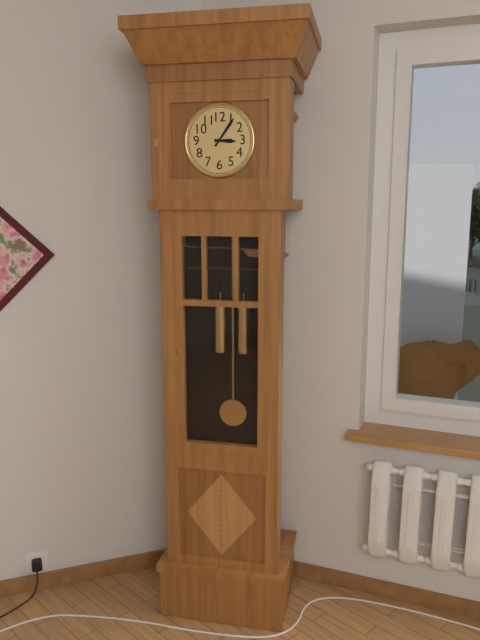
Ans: 3:06
